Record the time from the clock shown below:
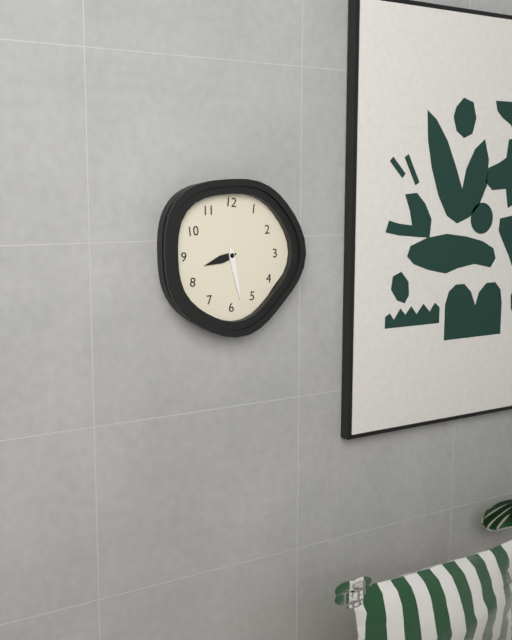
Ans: 8:28
